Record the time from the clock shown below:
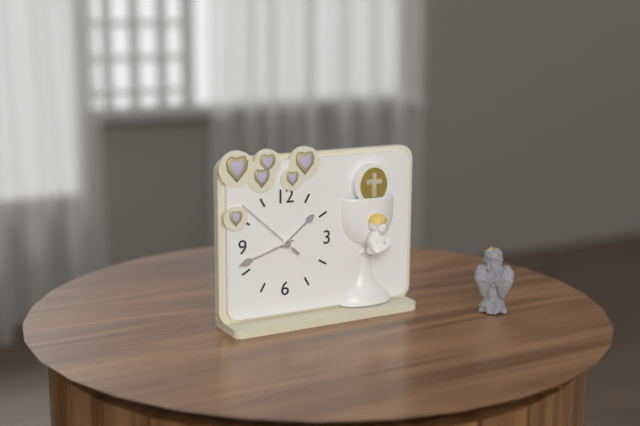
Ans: 1:42:52
